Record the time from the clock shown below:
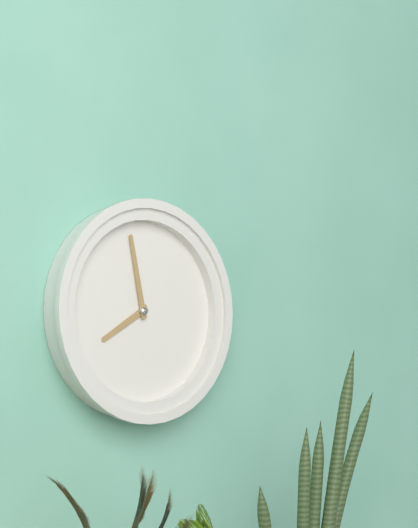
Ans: 7:58
